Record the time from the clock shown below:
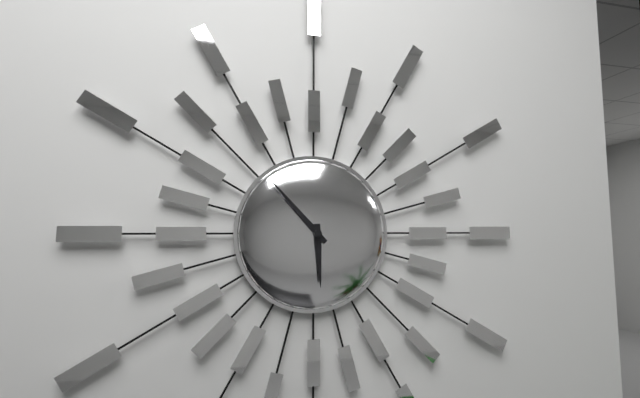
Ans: 5:53
